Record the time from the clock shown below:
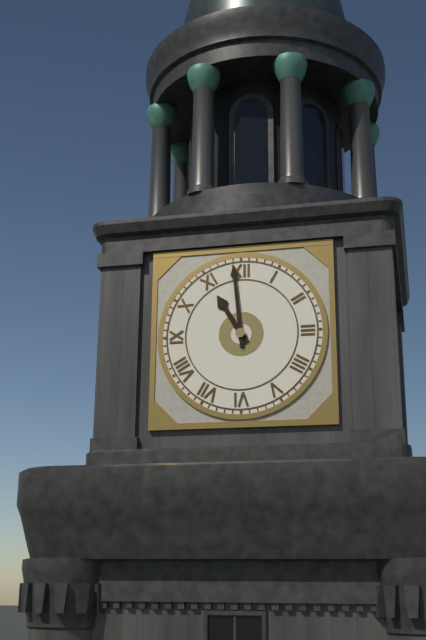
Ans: 10:59
